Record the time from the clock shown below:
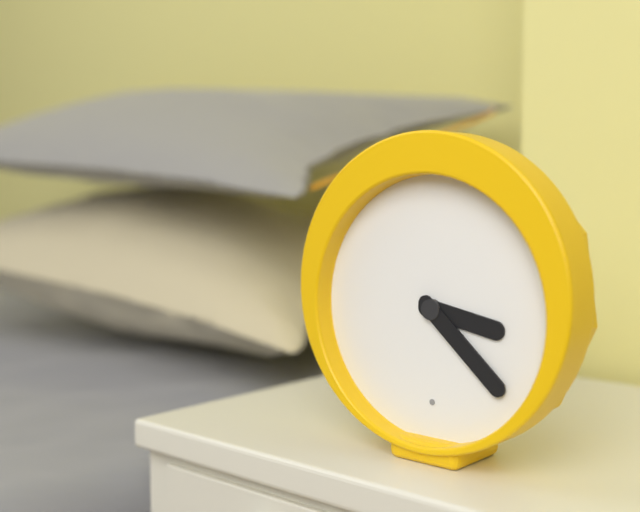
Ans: 3:22
